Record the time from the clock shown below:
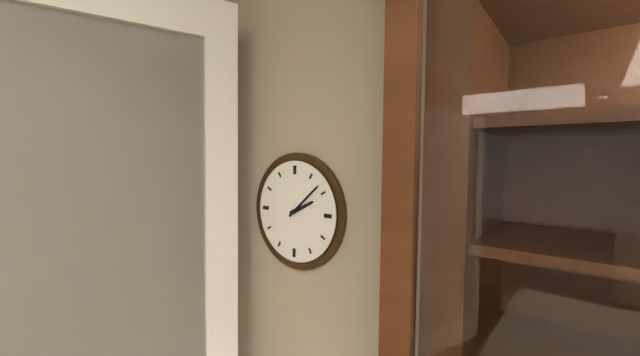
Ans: 2:08
